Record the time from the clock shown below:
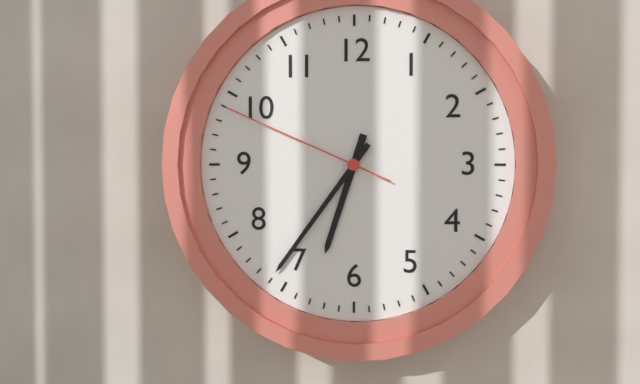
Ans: 6:36:49
